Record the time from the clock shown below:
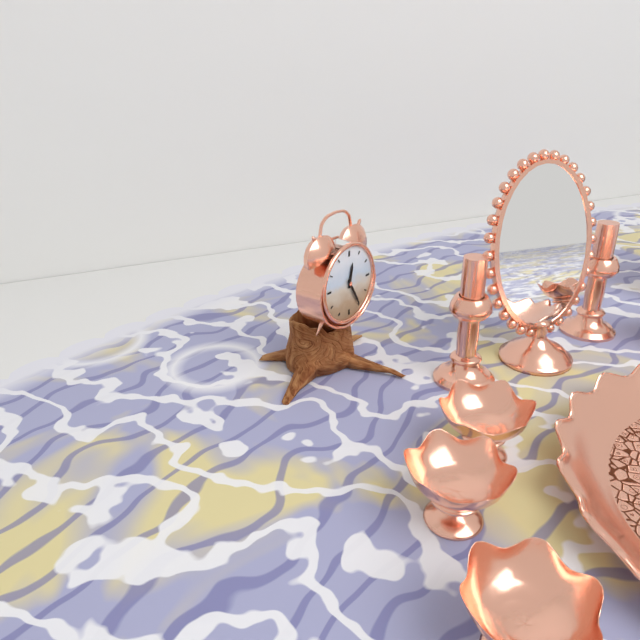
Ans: 12:25
